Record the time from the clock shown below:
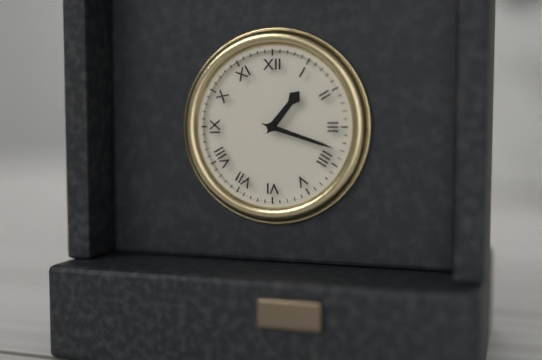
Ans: 1:18
